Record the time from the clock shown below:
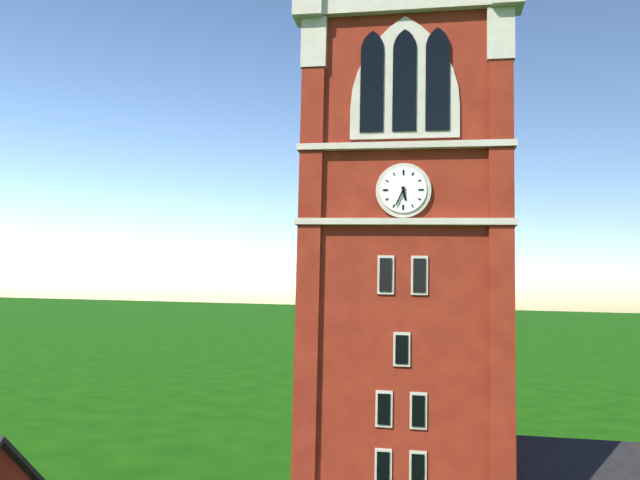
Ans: 5:34
